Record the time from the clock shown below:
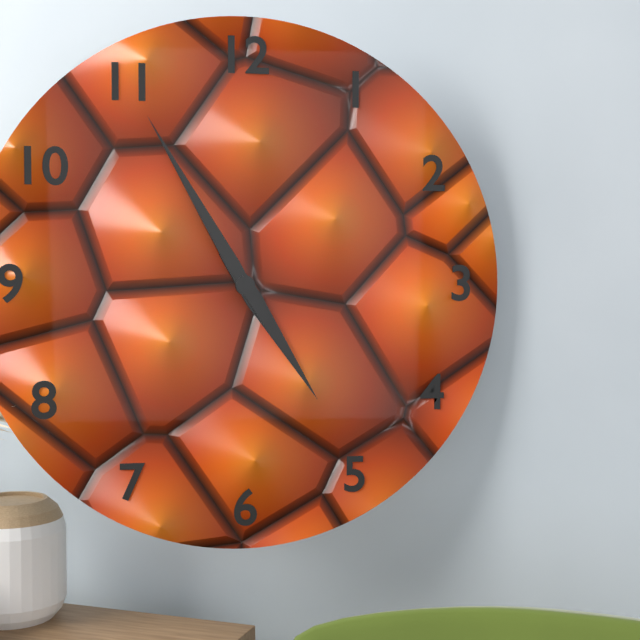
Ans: 4:55
